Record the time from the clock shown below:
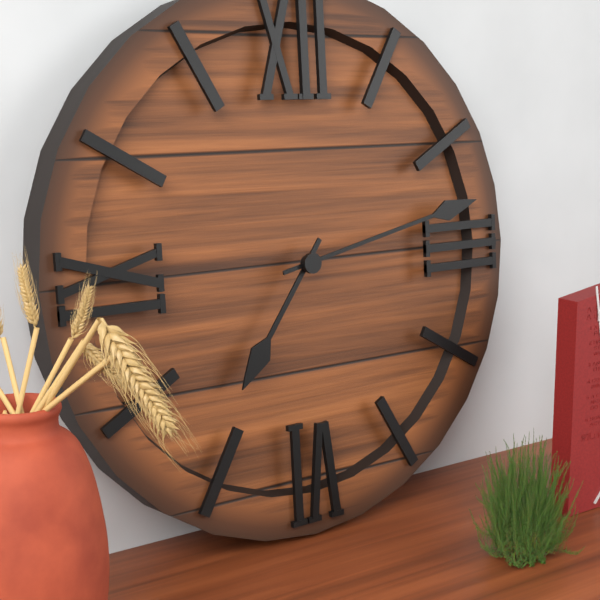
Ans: 7:13
